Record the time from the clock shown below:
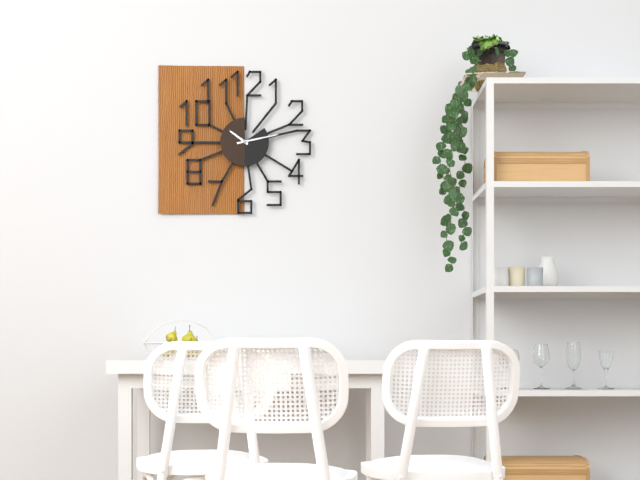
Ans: 10:13
